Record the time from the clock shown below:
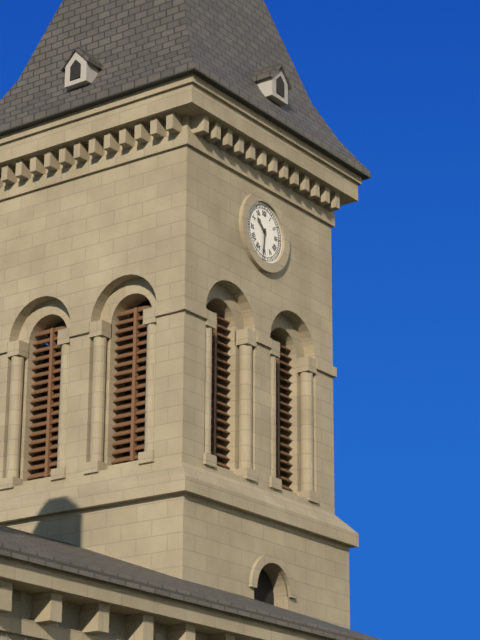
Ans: 10:31
